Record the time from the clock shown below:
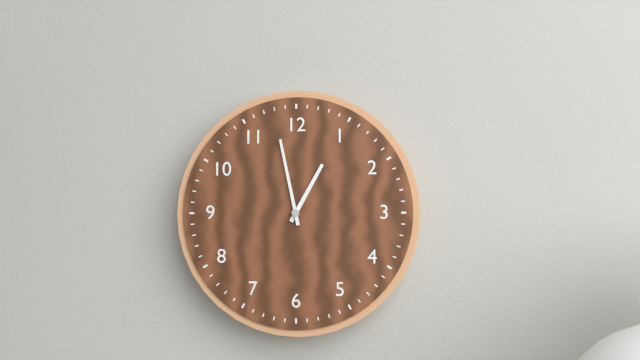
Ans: 12:58
